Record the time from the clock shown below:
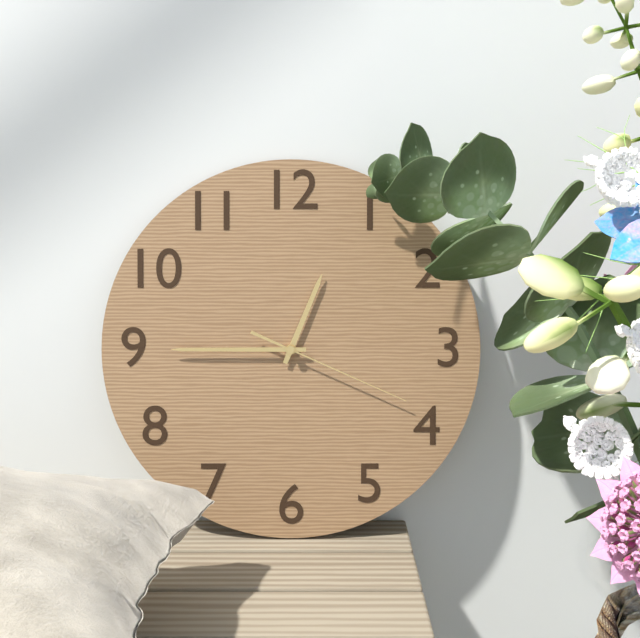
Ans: 12:45:19
